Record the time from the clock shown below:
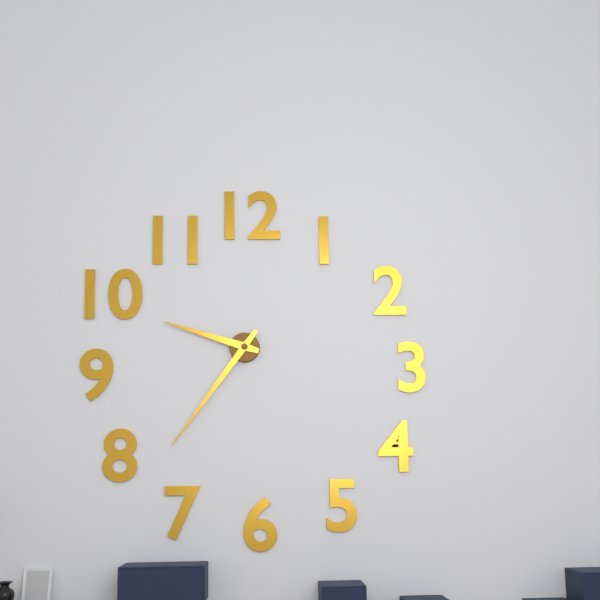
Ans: 9:36
